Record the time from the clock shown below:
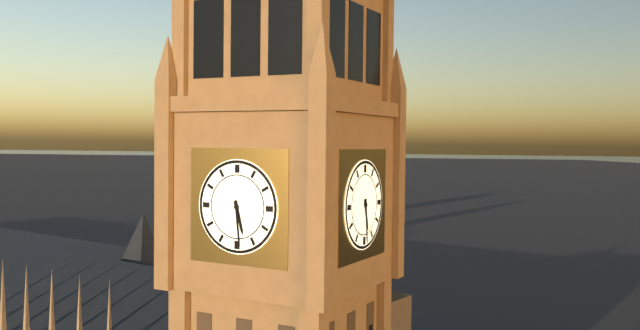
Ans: 5:29
